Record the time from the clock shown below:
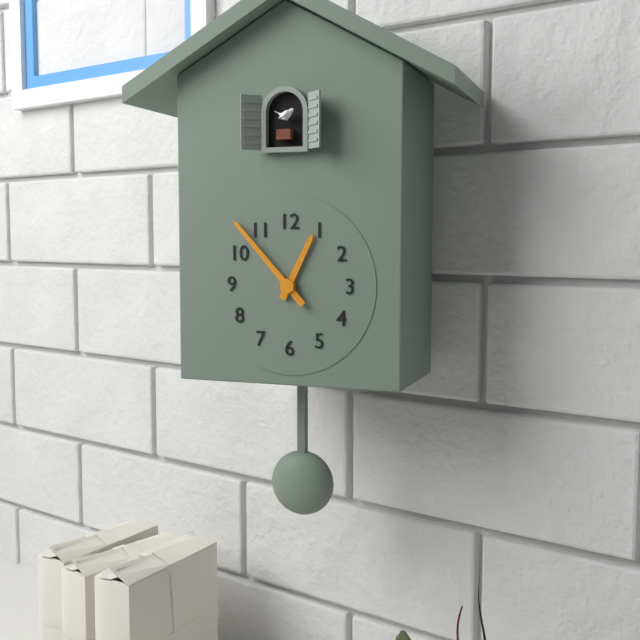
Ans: 12:53
